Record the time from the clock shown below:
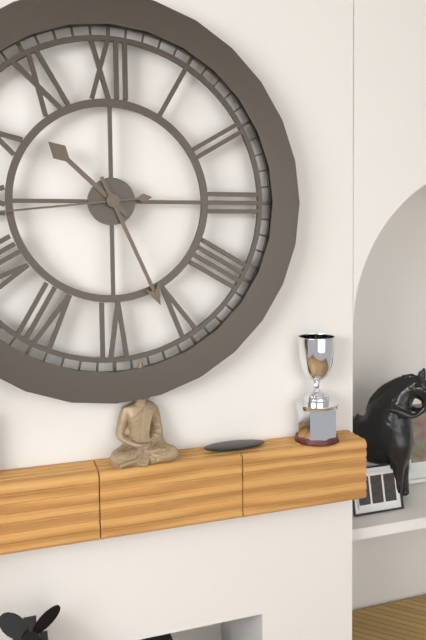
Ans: 10:26
